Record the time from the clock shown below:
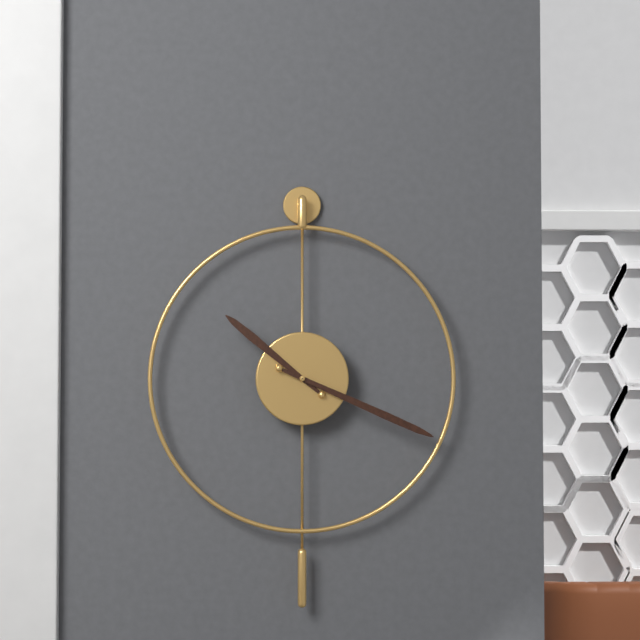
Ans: 10:19
